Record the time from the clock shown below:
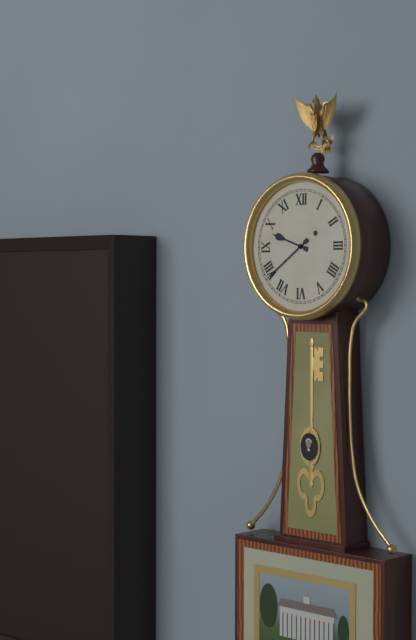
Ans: 9:39
